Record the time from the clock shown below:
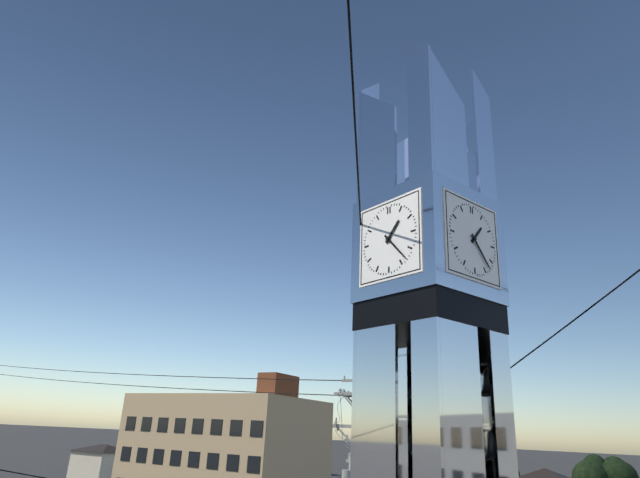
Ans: 1:23
